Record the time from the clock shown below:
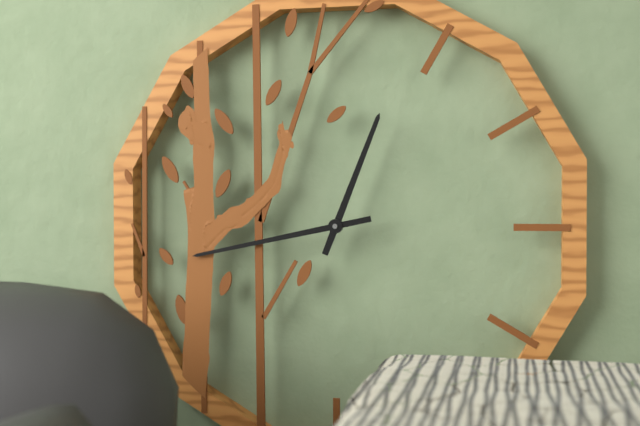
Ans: 12:43
